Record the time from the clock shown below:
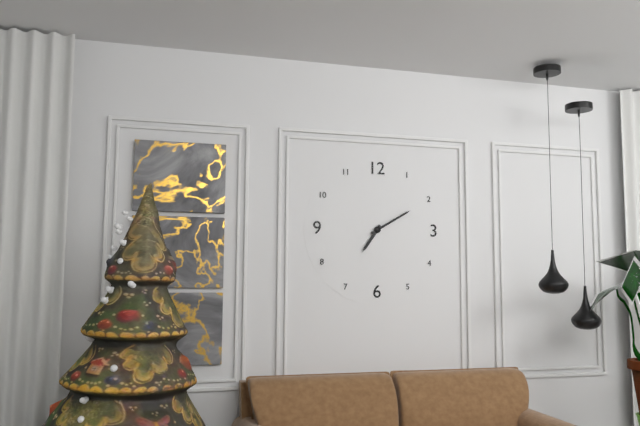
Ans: 7:10
